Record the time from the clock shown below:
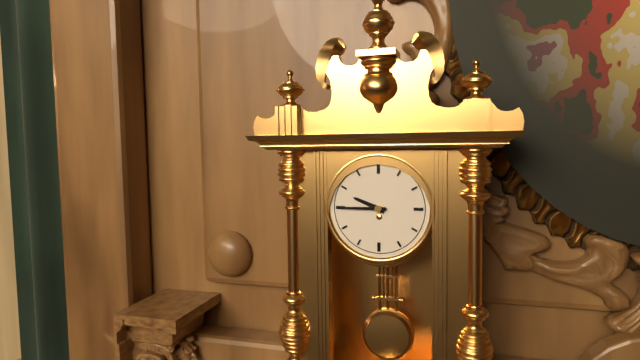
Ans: 9:45
